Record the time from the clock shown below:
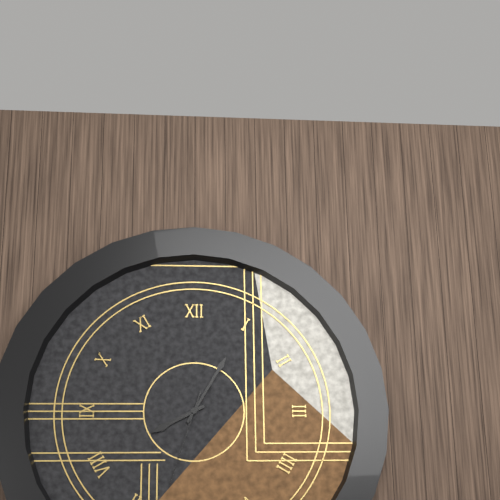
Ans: 8:05:33
